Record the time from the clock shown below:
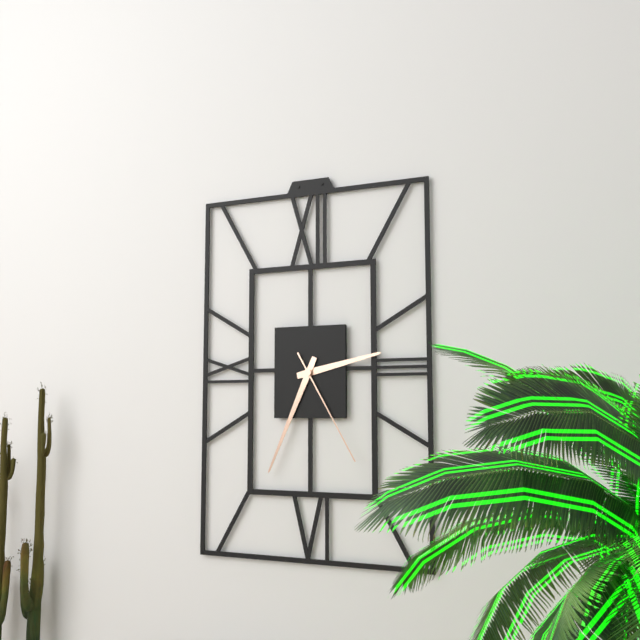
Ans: 2:34:25
